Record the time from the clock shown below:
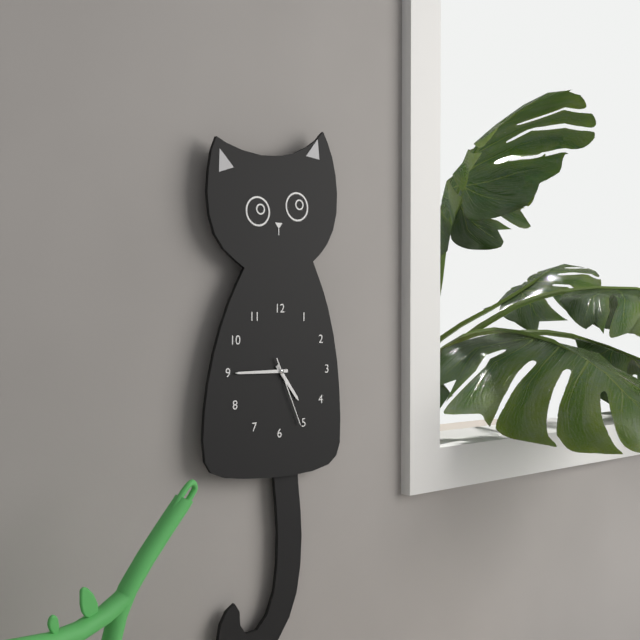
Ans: 4:45:26
